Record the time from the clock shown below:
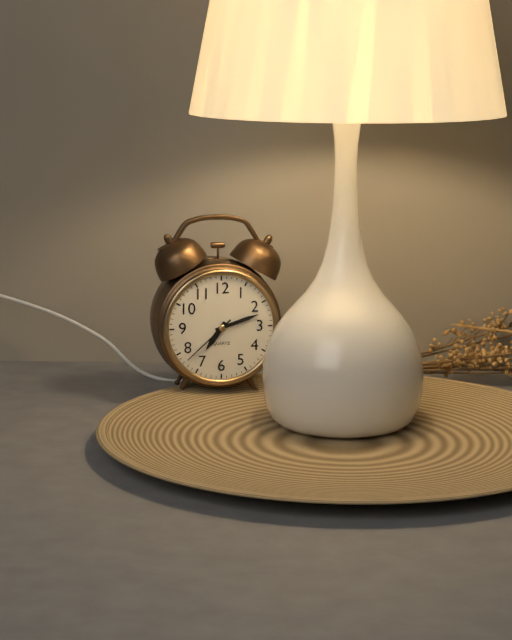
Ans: 7:12:38
